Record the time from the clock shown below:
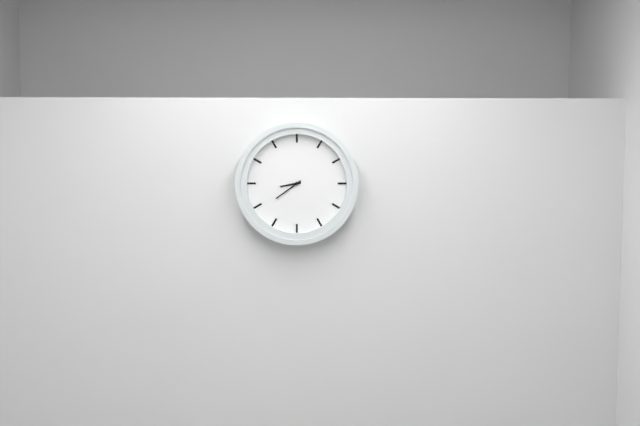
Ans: 8:39
